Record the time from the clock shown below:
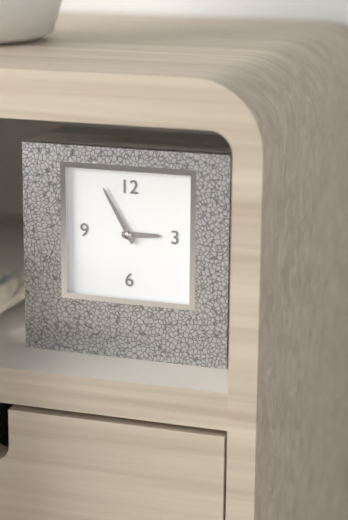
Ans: 2:55
